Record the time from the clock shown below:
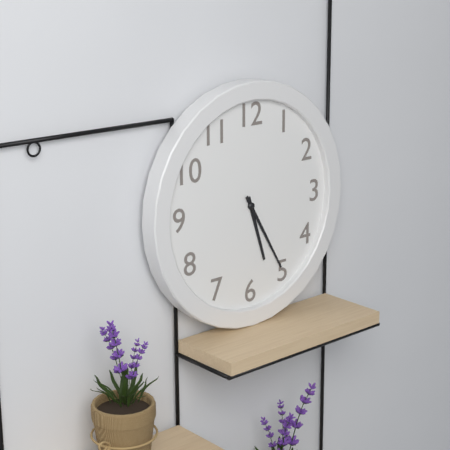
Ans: 5:25
